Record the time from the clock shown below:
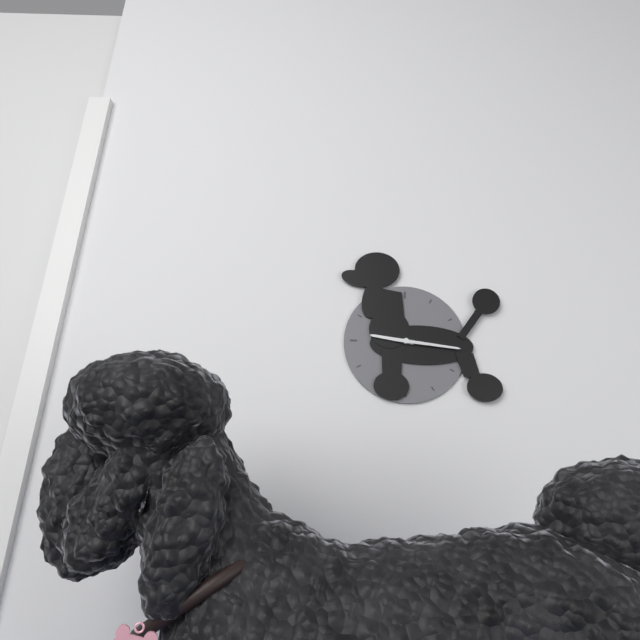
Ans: 9:16
